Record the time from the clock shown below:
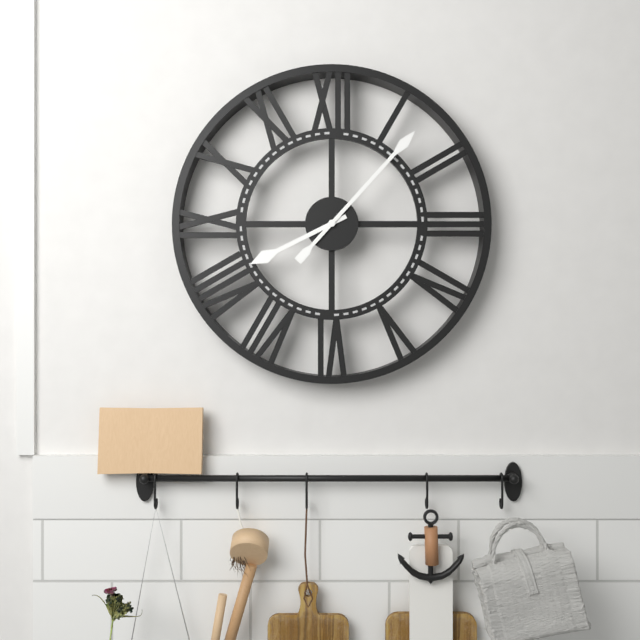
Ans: 8:07
